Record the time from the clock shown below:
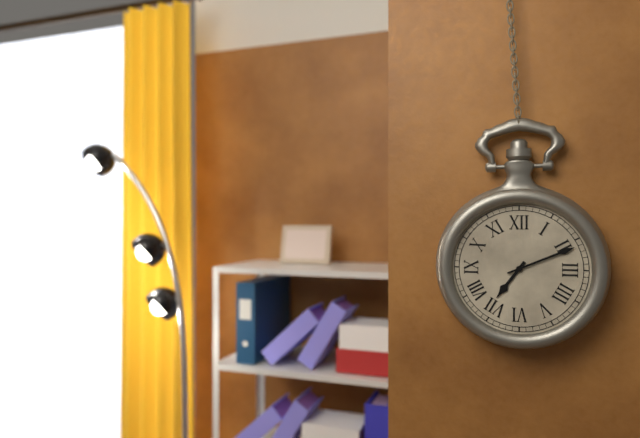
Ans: 7:11
